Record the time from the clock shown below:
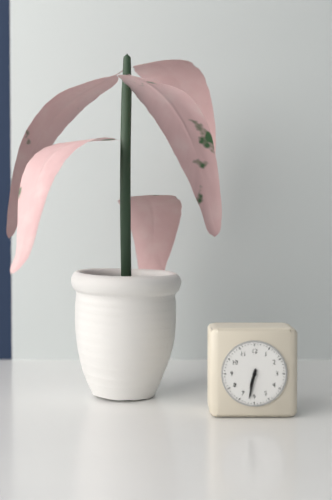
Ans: 6:32
